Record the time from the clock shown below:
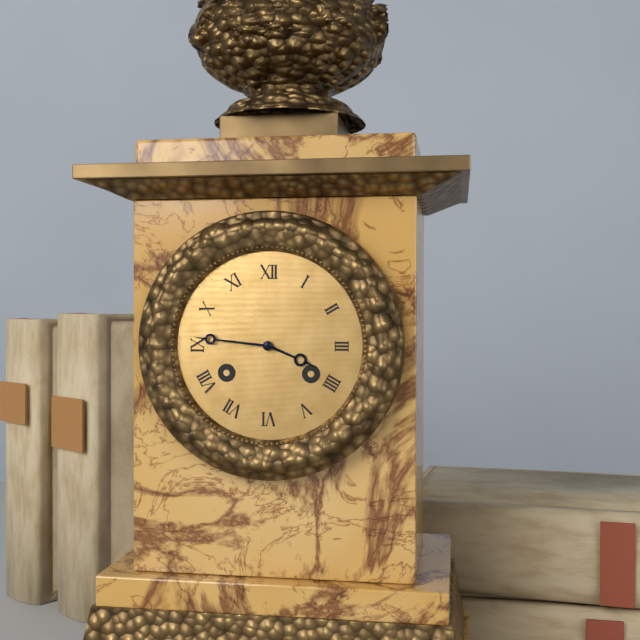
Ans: 3:46
